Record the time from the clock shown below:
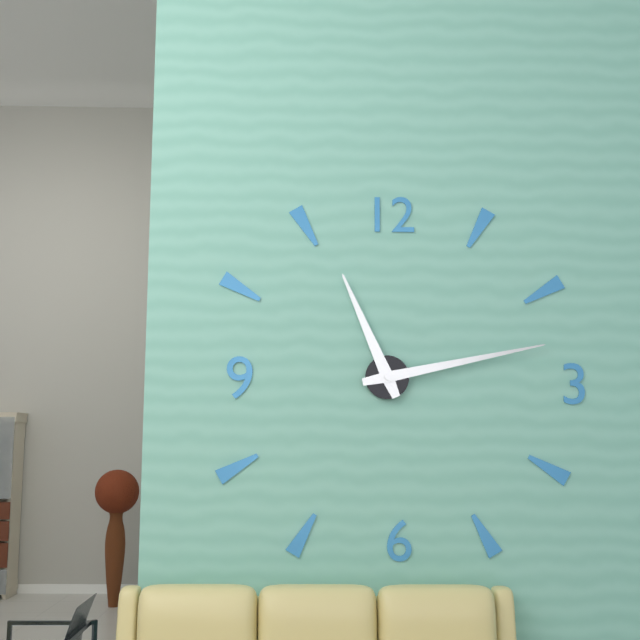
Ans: 11:13
